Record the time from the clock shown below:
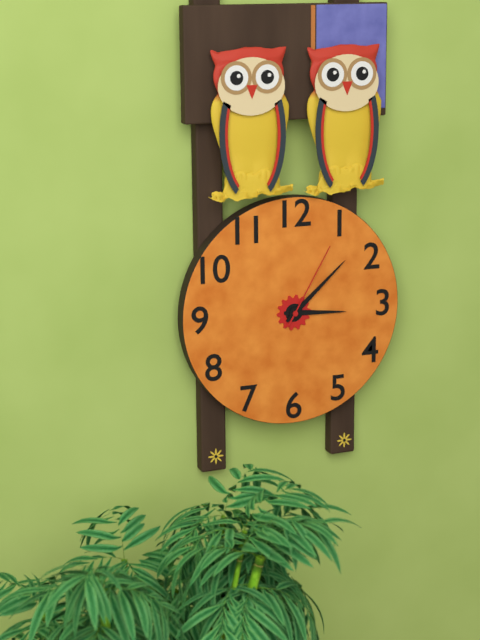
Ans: 3:08:05
